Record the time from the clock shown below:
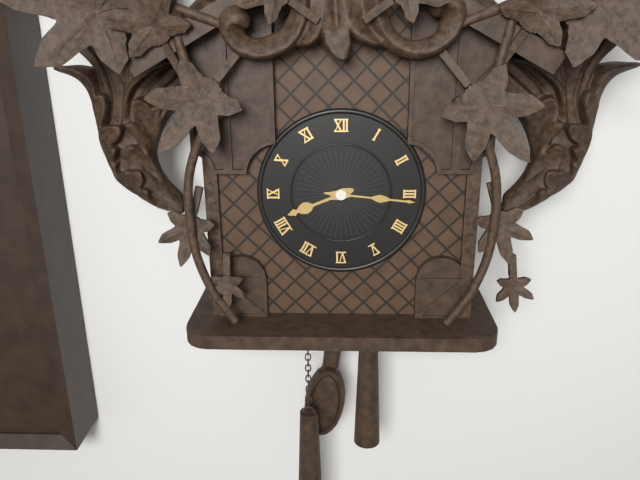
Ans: 8:16
